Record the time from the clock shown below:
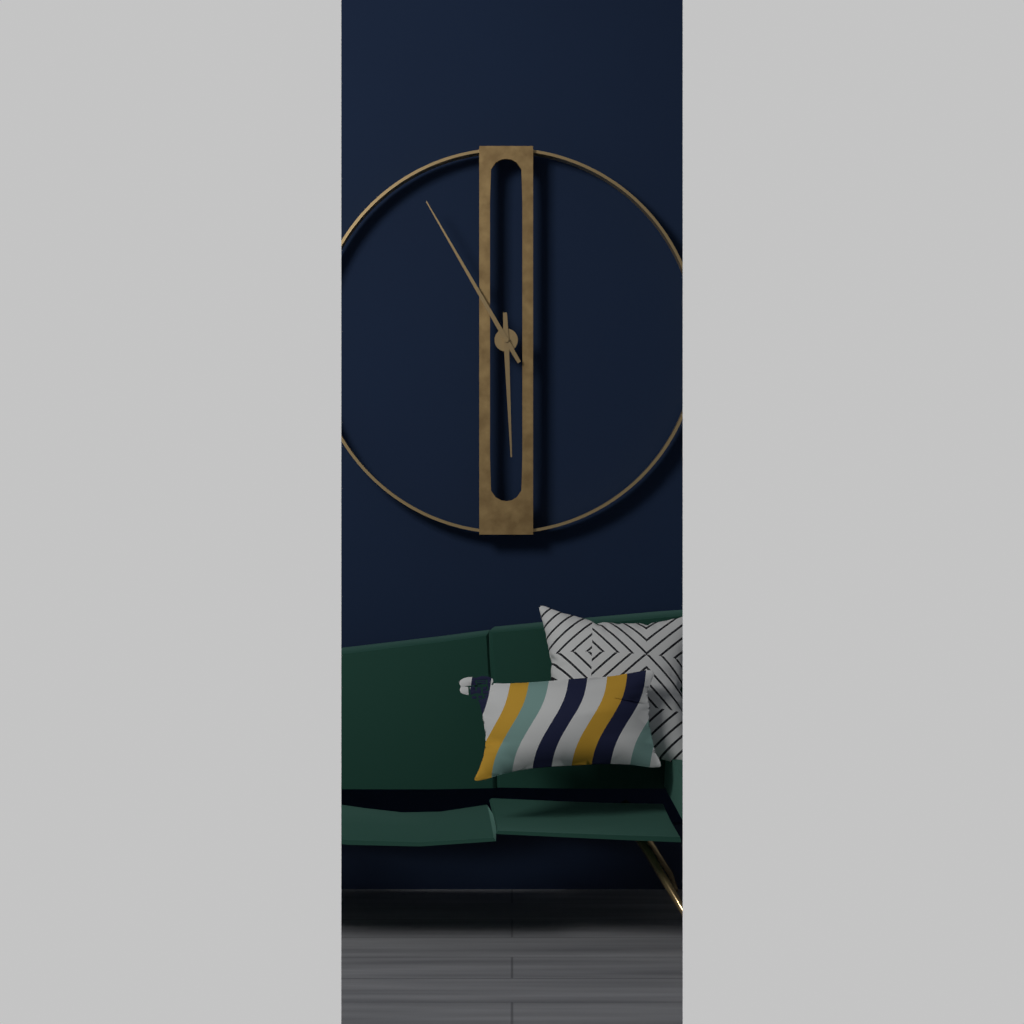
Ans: 5:55
